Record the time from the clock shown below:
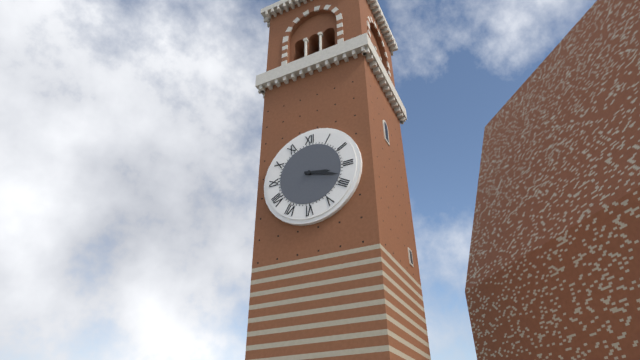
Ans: 3:18
